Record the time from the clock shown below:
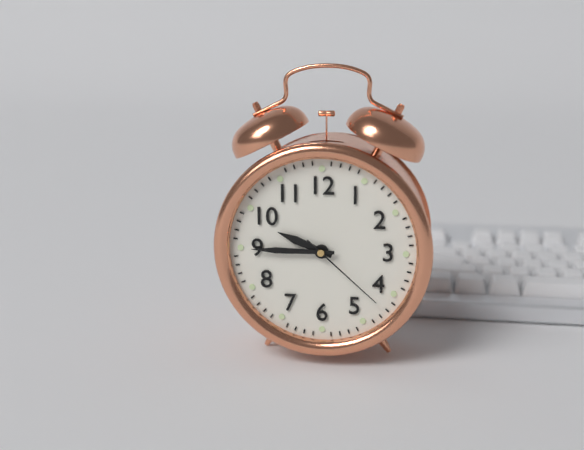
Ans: 9:45:22
